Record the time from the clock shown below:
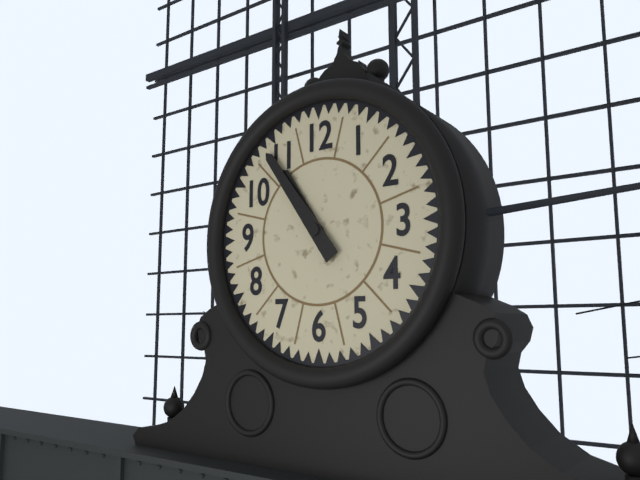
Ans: 10:54
